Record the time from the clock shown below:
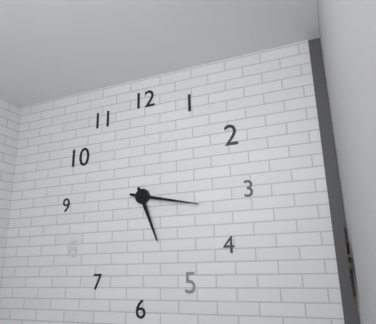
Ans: 5:17
